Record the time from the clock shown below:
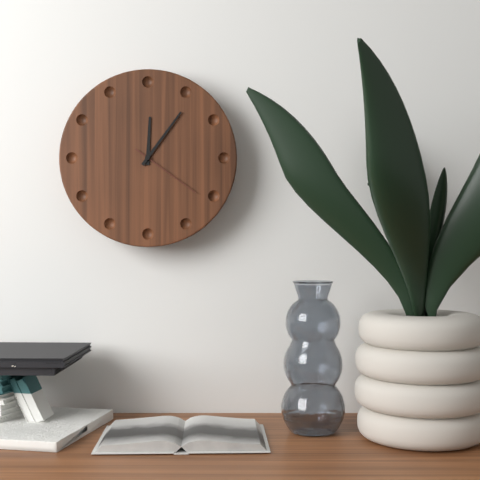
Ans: 12:06:21
